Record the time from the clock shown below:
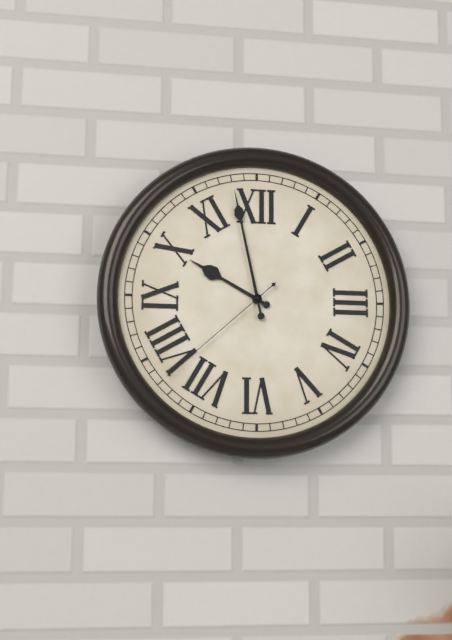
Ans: 9:58:38
